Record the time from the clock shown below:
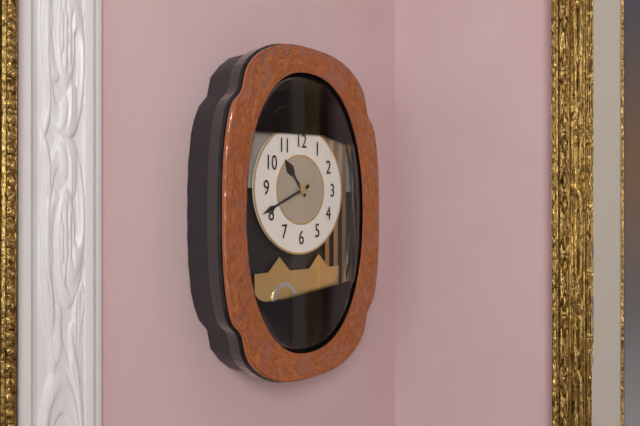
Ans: 10:41
